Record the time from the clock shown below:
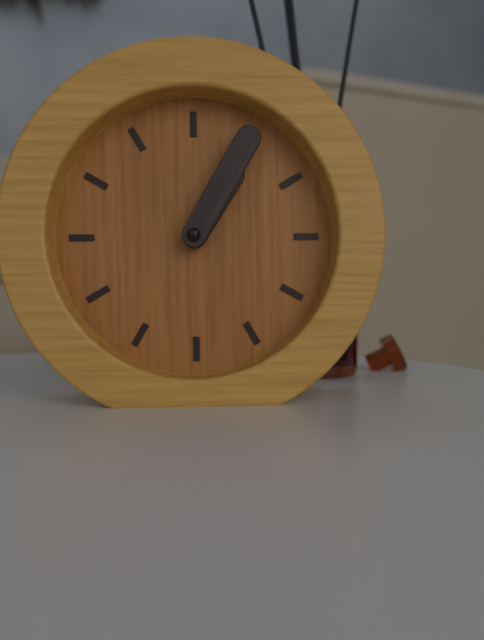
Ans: 1:05
